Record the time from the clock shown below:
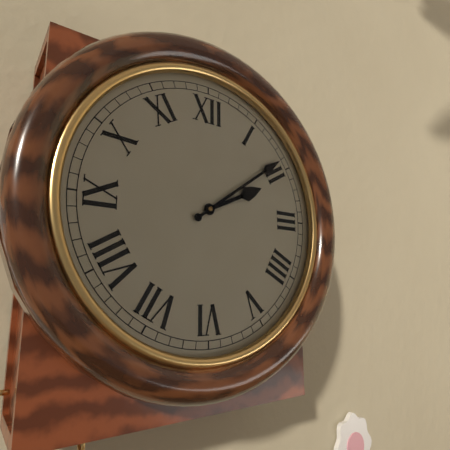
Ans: 2:09
